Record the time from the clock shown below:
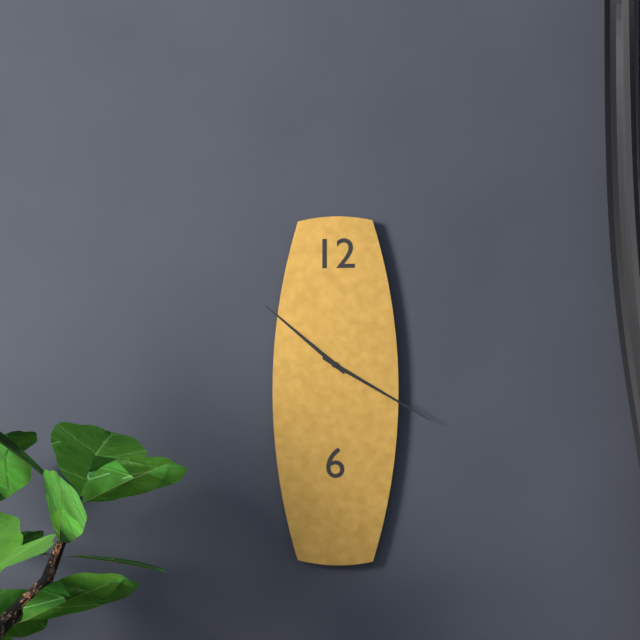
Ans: 10:20
